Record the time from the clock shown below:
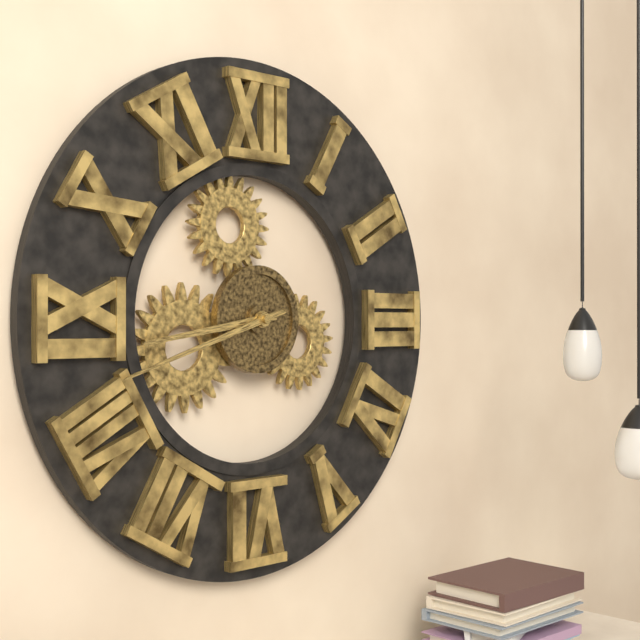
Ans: 8:42
